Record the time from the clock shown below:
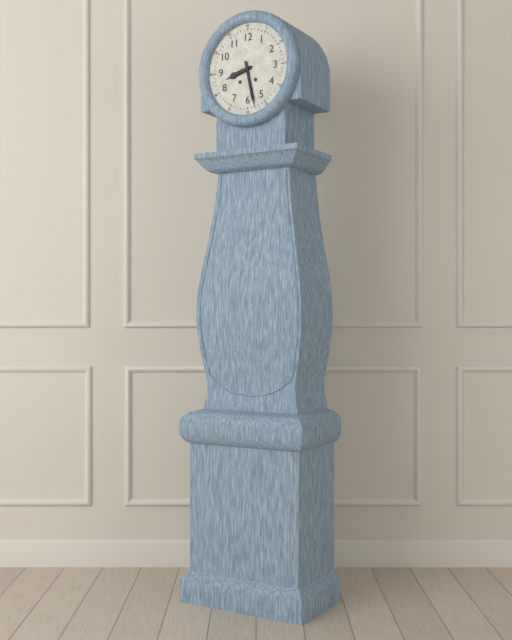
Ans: 8:28
